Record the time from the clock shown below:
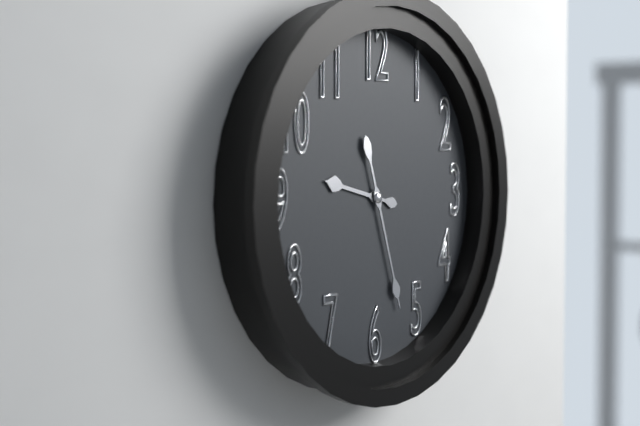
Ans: 9:27
